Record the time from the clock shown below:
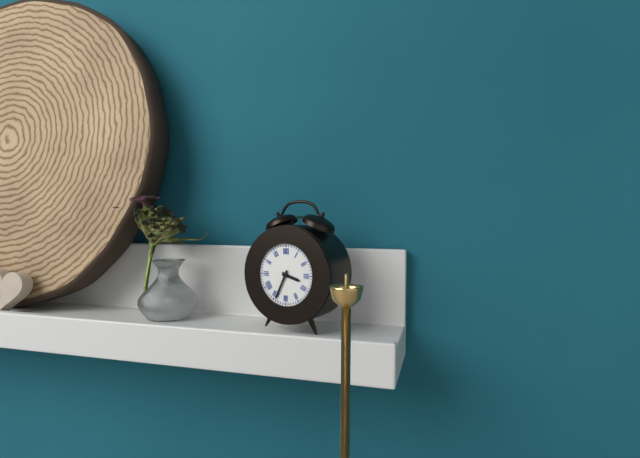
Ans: 3:34
